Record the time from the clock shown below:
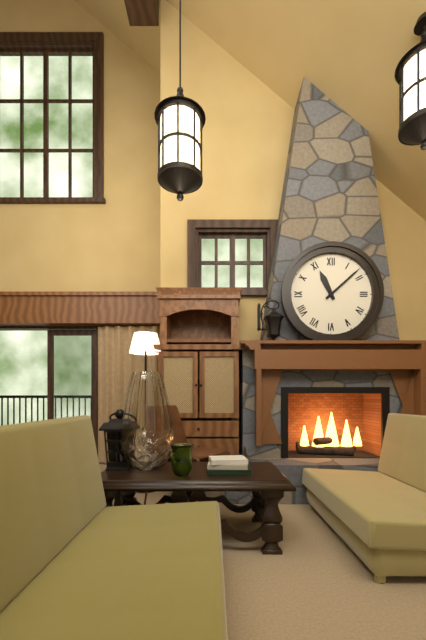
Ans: 11:08
